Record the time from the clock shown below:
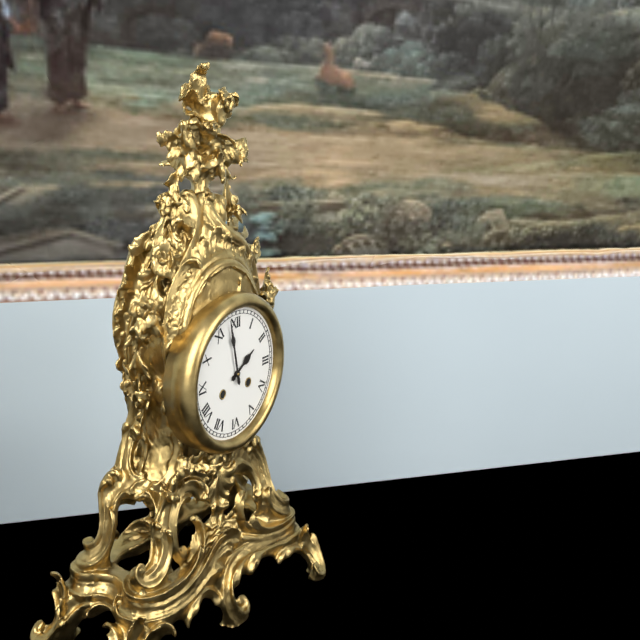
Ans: 1:58
